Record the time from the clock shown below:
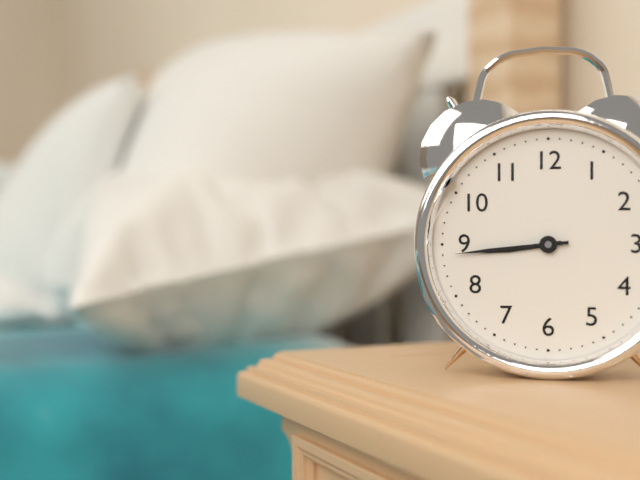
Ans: 8:44
